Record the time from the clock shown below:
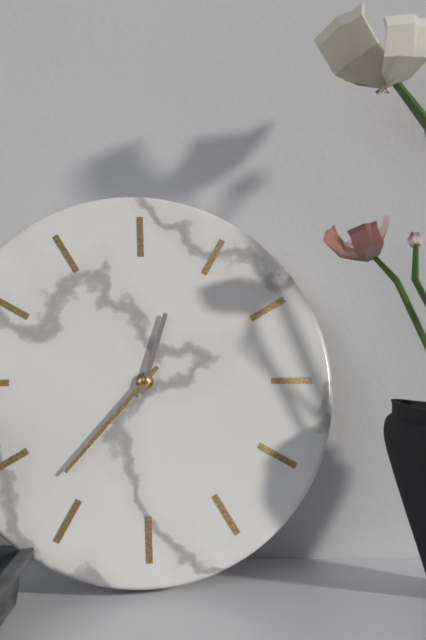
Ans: 12:37
